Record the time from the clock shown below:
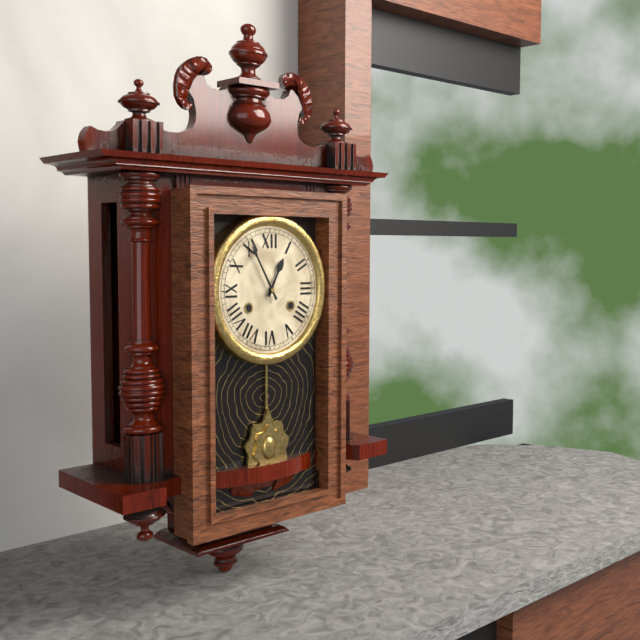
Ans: 12:55
